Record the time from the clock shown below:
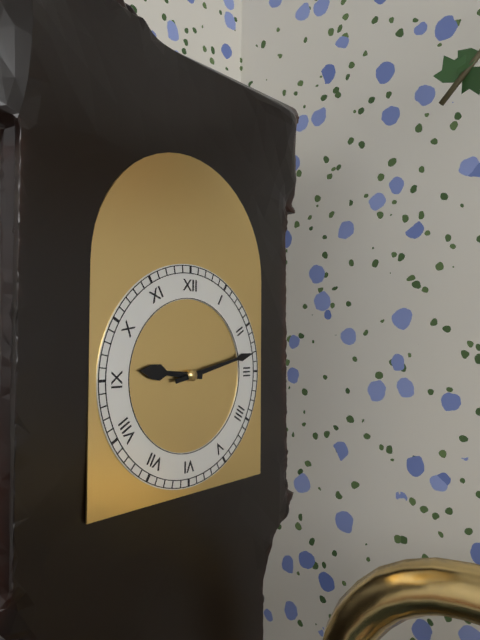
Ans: 9:13
